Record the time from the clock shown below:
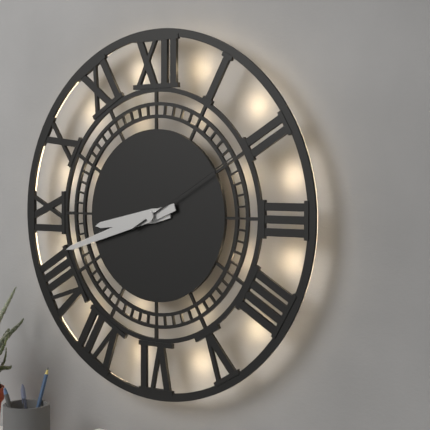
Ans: 8:42:10
